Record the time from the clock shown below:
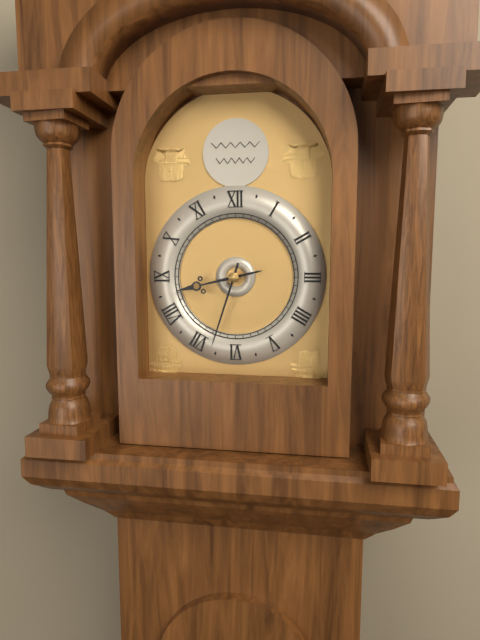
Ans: 8:33
